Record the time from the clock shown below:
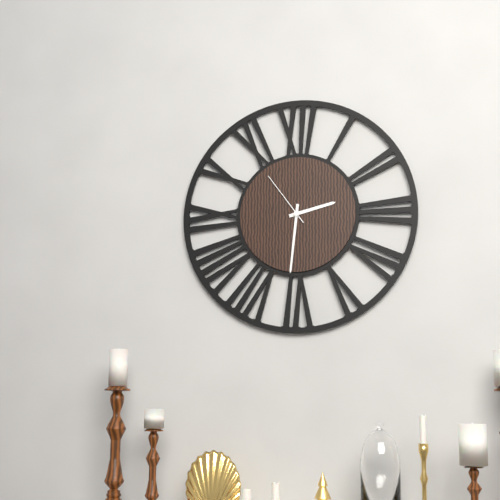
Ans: 2:31:54
